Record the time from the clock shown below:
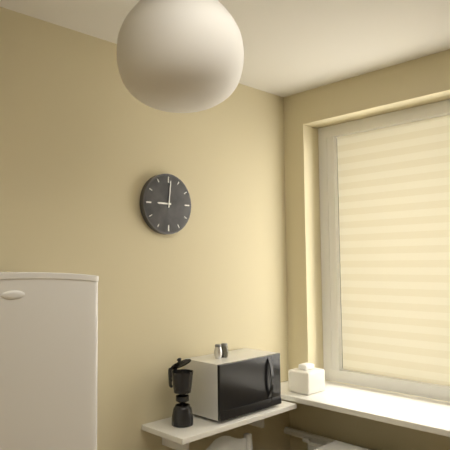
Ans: 9:01
